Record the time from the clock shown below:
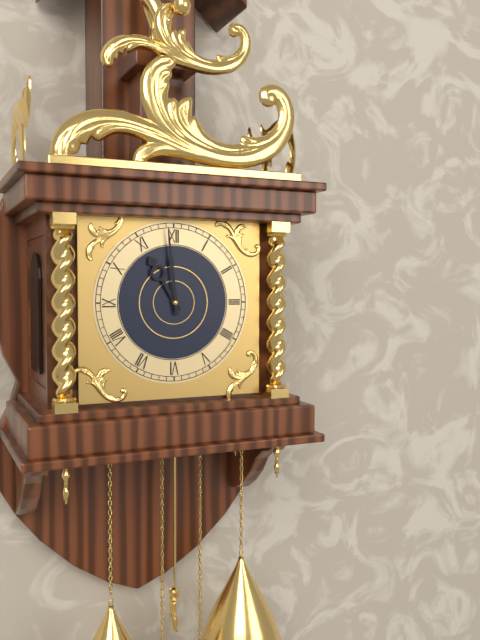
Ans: 10:59
